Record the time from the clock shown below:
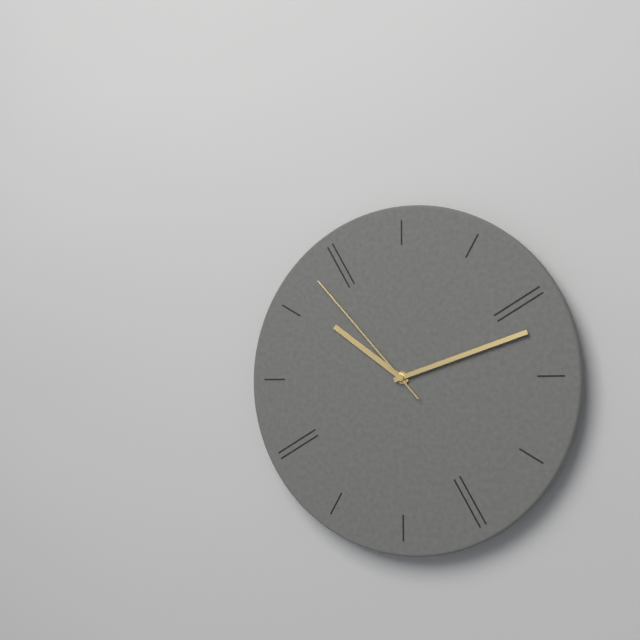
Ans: 10:12:53
